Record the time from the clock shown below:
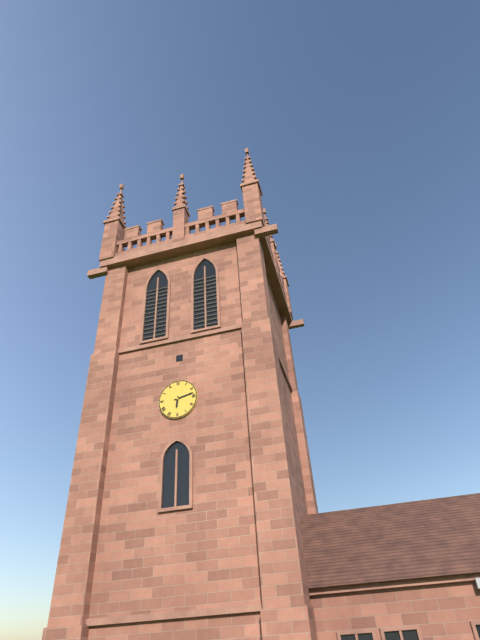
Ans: 6:13
